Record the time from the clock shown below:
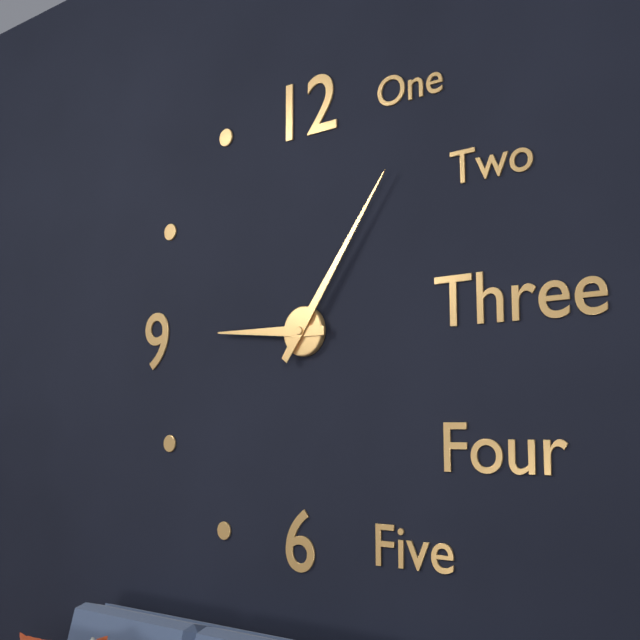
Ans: 9:06
